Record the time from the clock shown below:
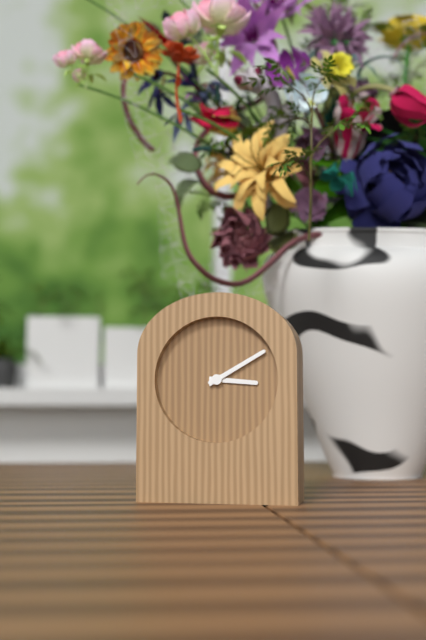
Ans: 3:10
